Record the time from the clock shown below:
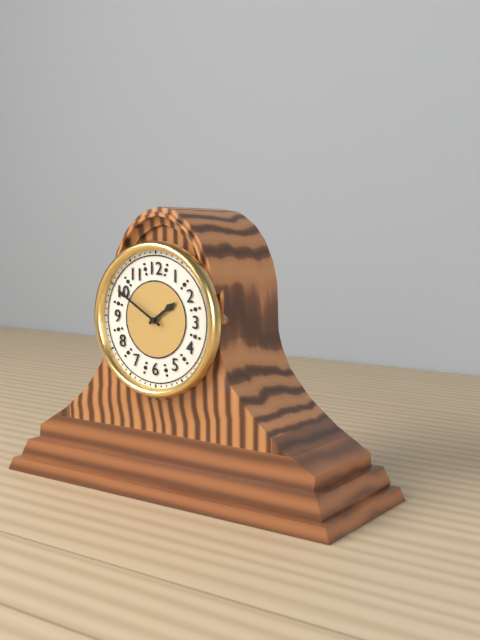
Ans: 1:50
